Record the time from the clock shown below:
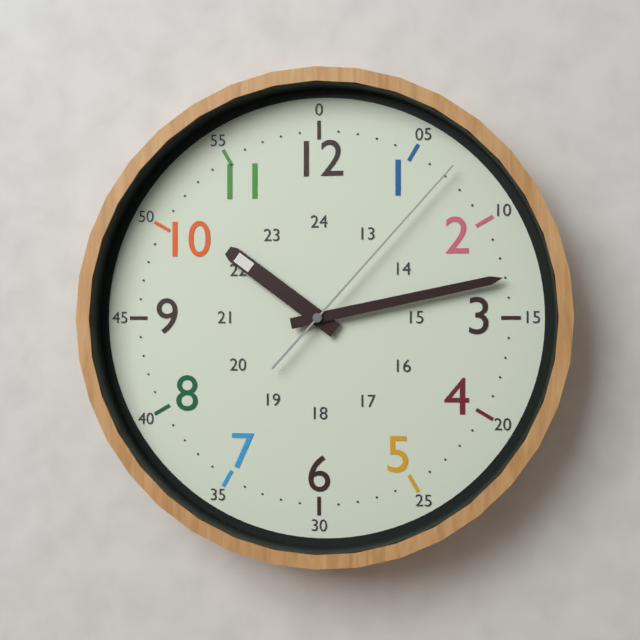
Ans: 10:13:07
